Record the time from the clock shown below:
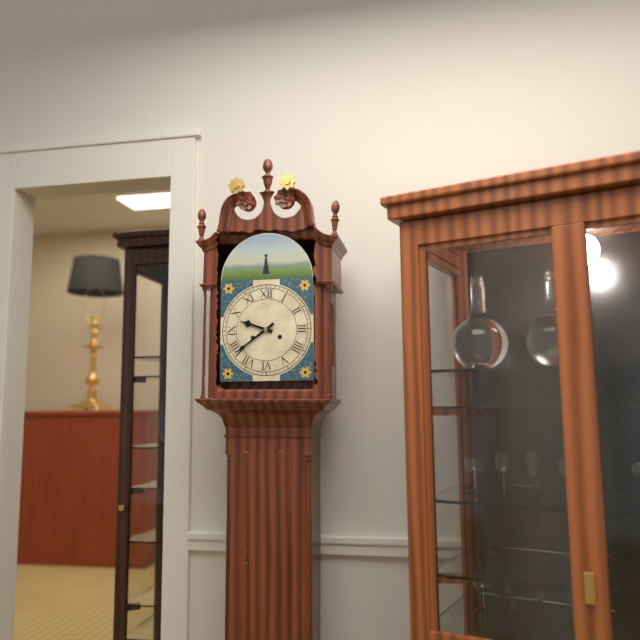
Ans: 9:39
